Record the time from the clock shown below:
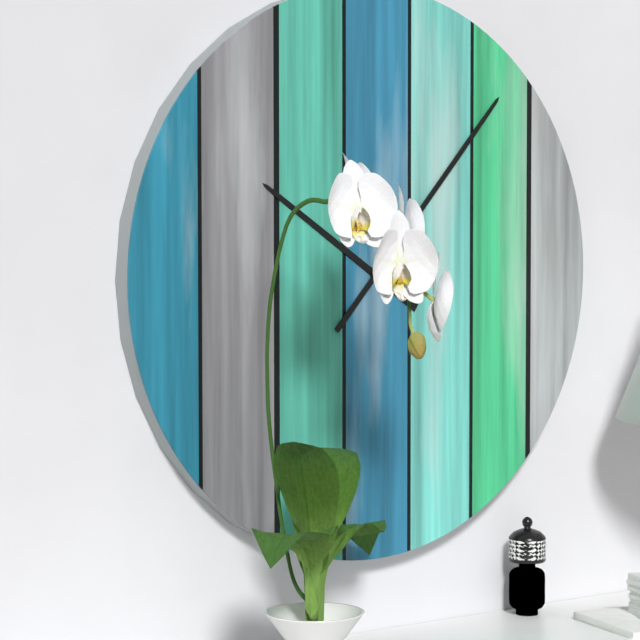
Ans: 10:07
